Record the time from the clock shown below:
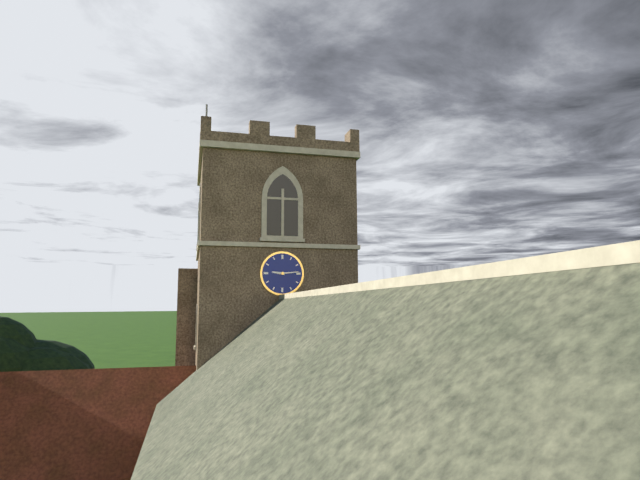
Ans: 9:14
